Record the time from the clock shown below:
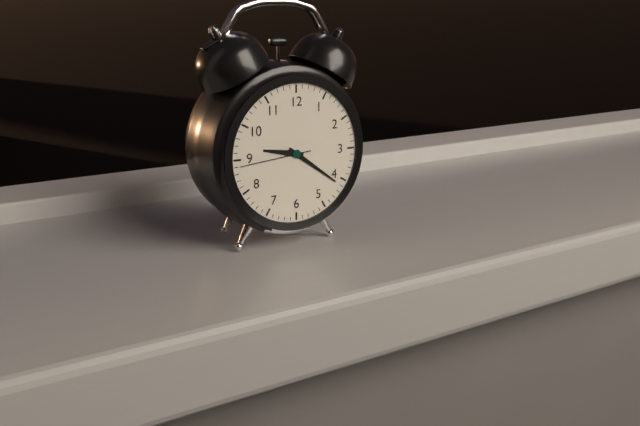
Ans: 9:21:44
